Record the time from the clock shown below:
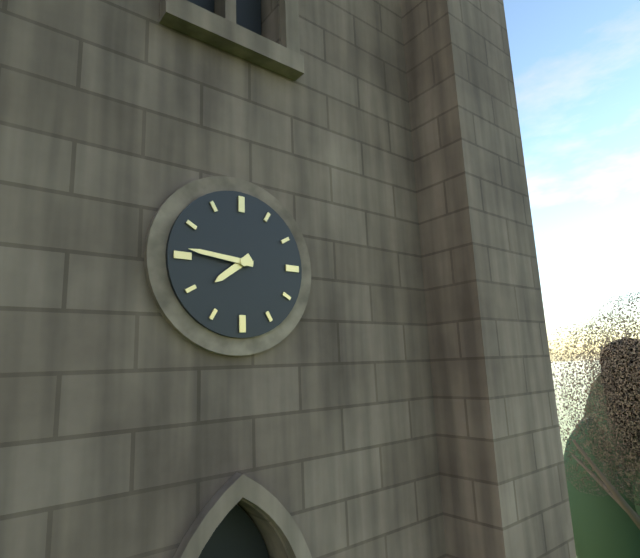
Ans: 7:46
